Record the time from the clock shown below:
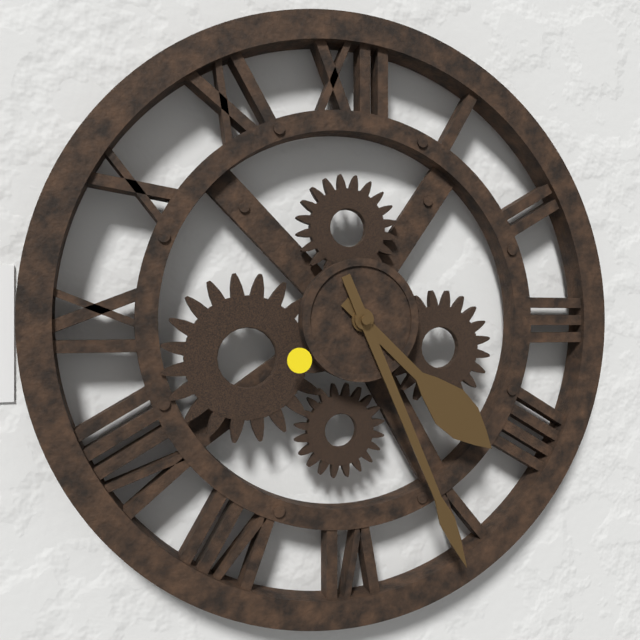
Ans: 4:26
